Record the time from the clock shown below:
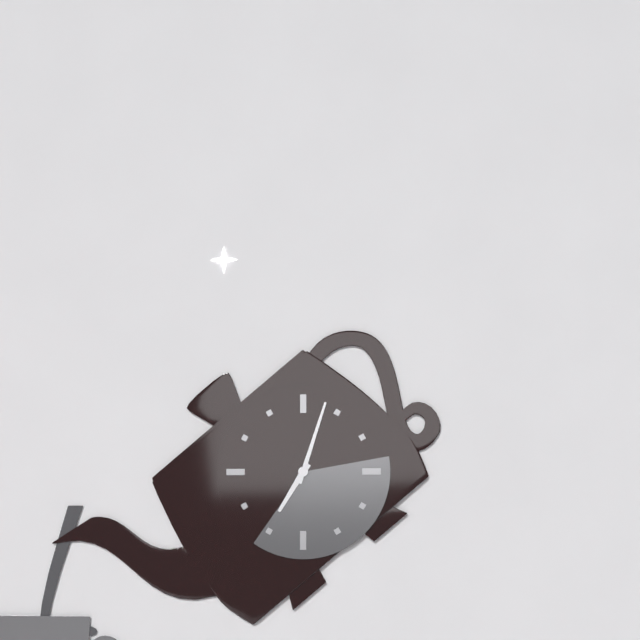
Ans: 7:03
